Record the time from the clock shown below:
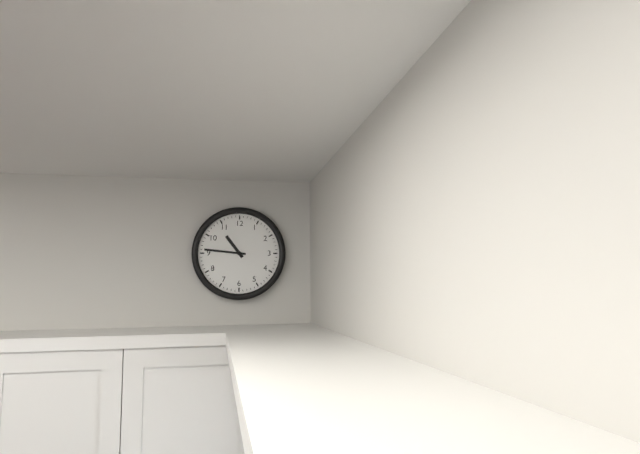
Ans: 10:46
